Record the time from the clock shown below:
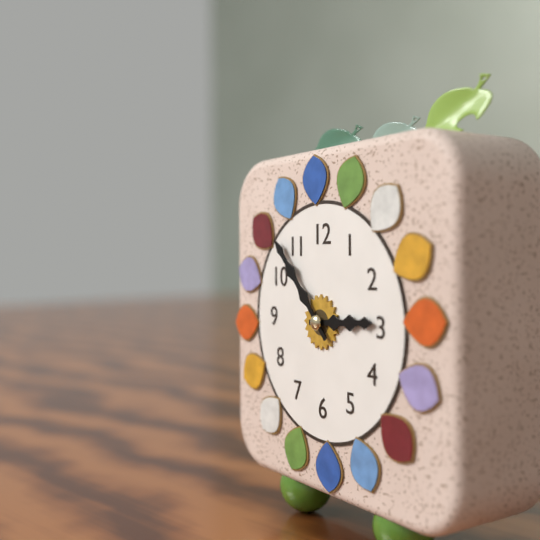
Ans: 2:53
